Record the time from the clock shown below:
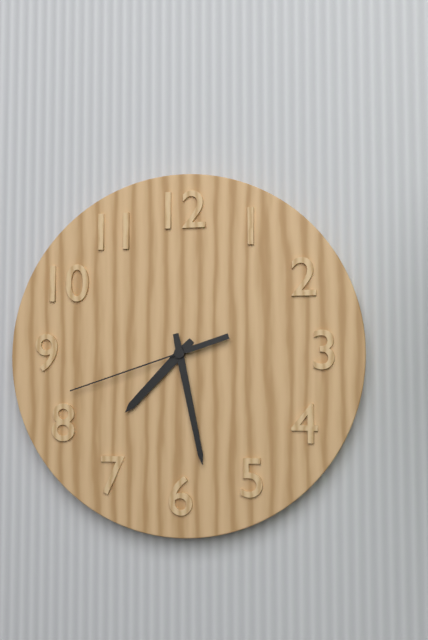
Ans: 7:28:42
